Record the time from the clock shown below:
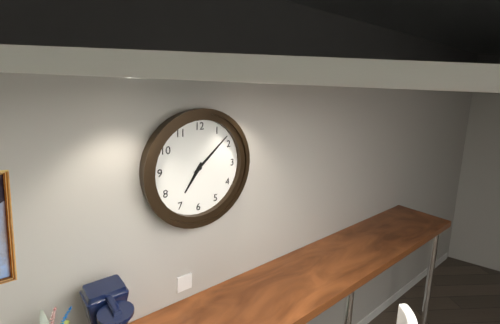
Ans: 7:08
